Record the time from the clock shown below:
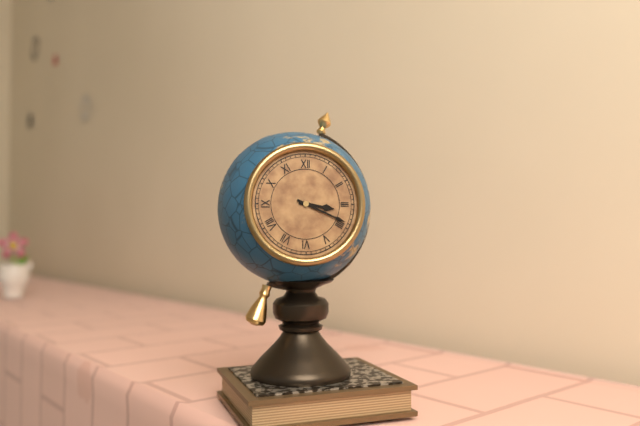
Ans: 3:19
